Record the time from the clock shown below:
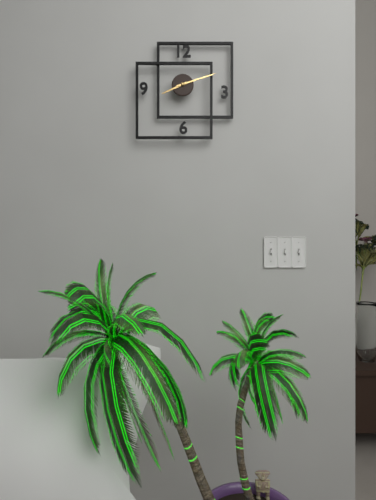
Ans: 8:12
